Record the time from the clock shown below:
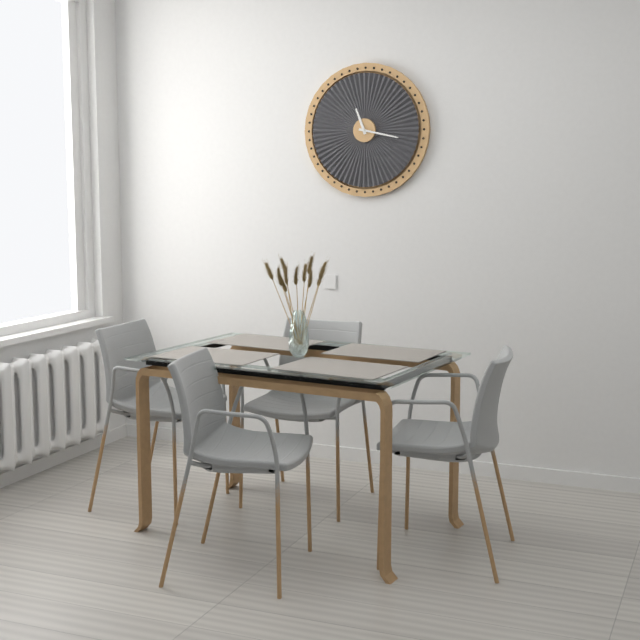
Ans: 11:17
